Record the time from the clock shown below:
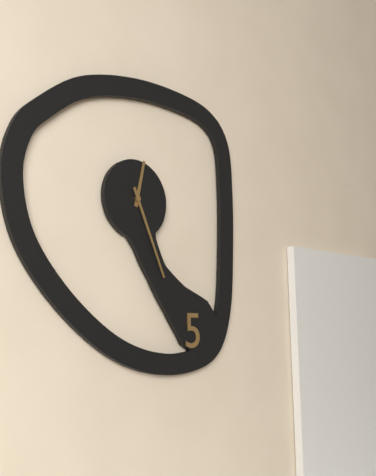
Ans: 12:26
